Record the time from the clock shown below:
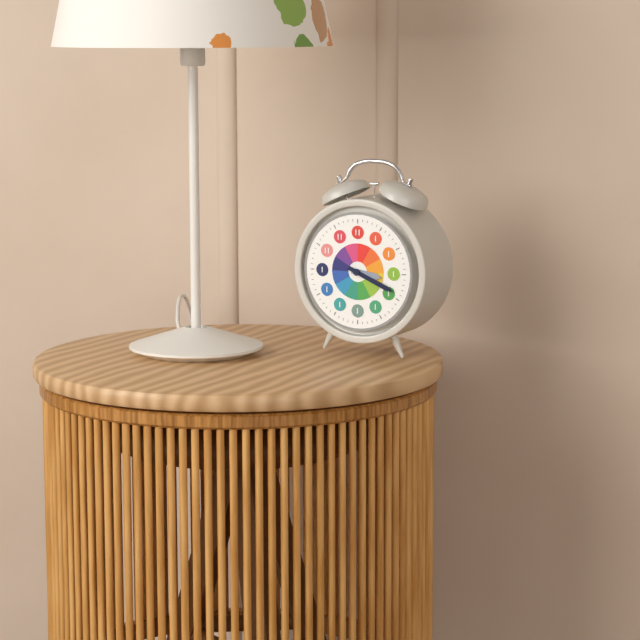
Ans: 3:19
